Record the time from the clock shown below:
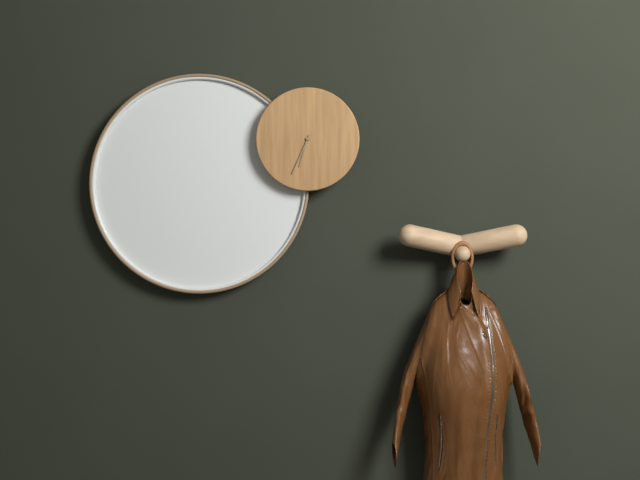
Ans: 6:34
